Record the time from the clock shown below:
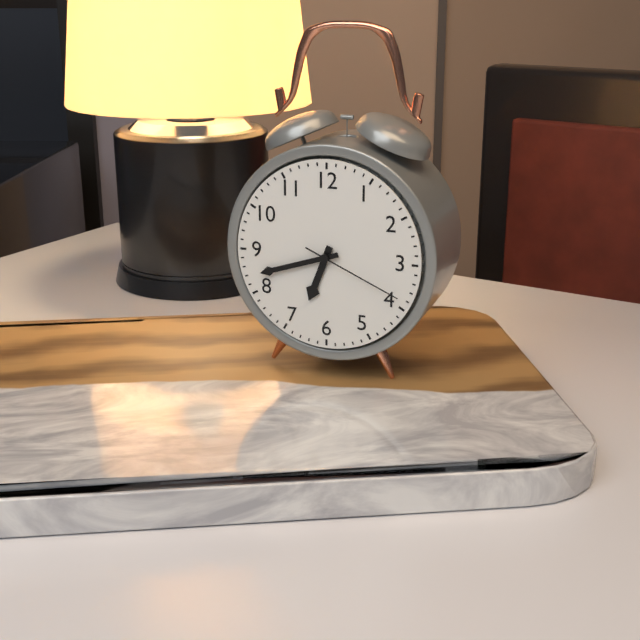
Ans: 6:42:19
